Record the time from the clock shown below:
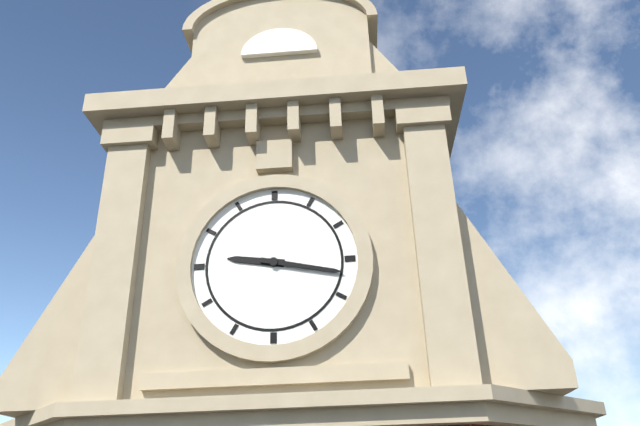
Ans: 9:17
